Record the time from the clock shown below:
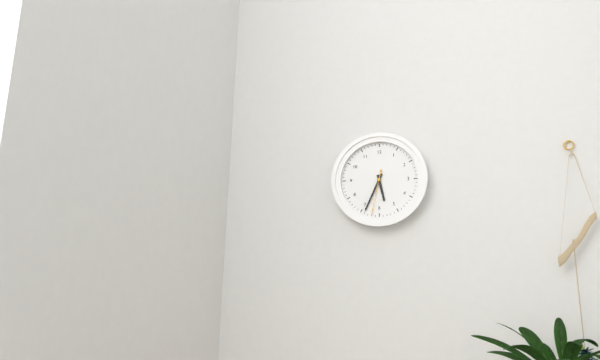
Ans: 5:34
